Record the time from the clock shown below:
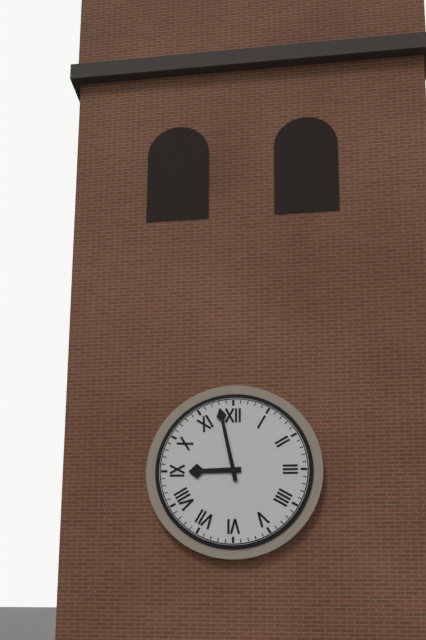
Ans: 8:58
